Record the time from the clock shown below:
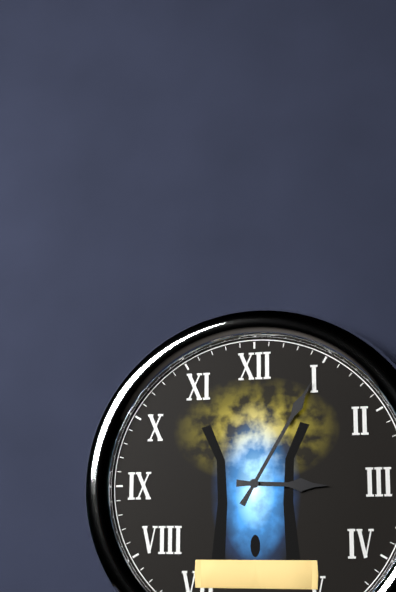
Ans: 3:05
